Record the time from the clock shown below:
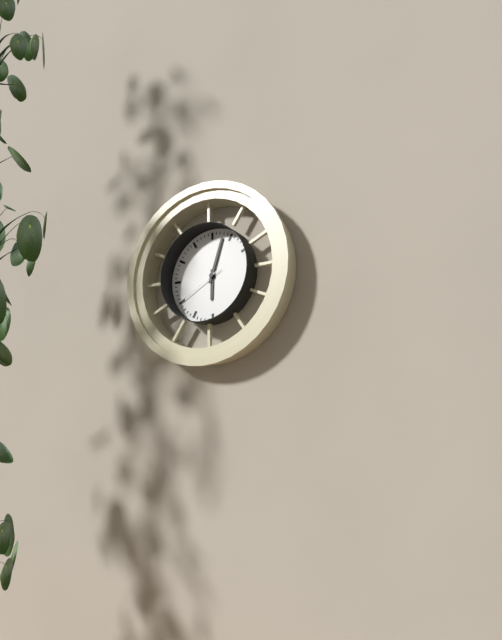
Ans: 6:03:40
